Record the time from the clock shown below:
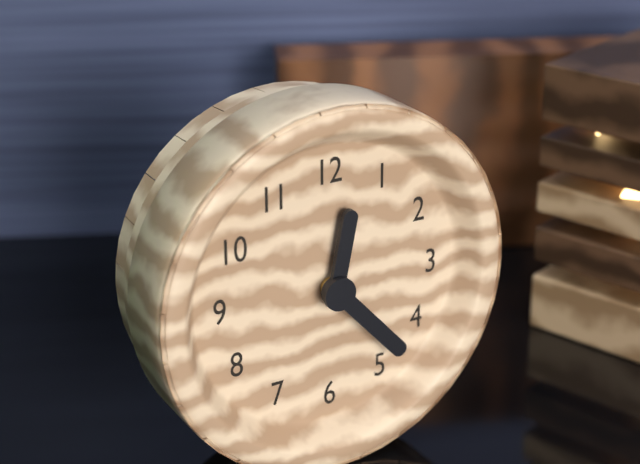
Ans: 12:23
